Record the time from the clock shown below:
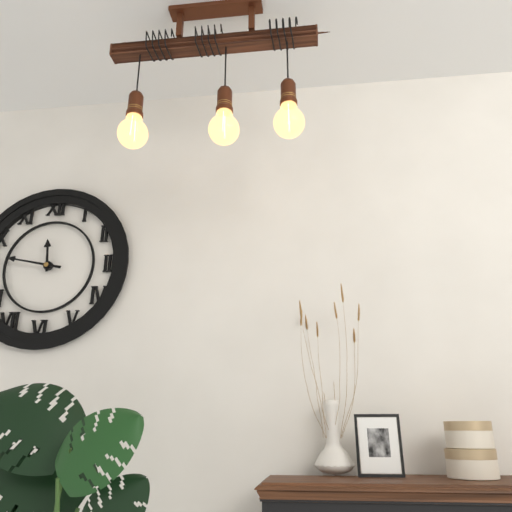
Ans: 11:47
